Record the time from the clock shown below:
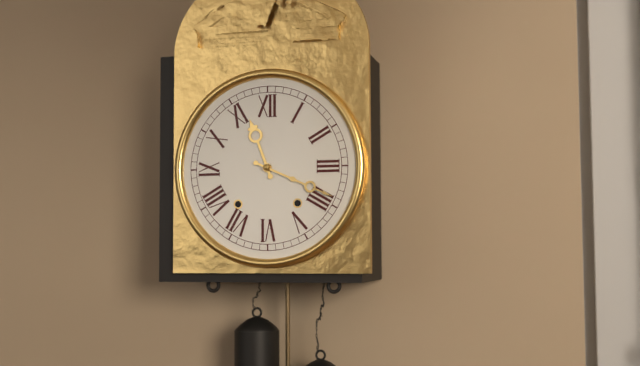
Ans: 11:19
